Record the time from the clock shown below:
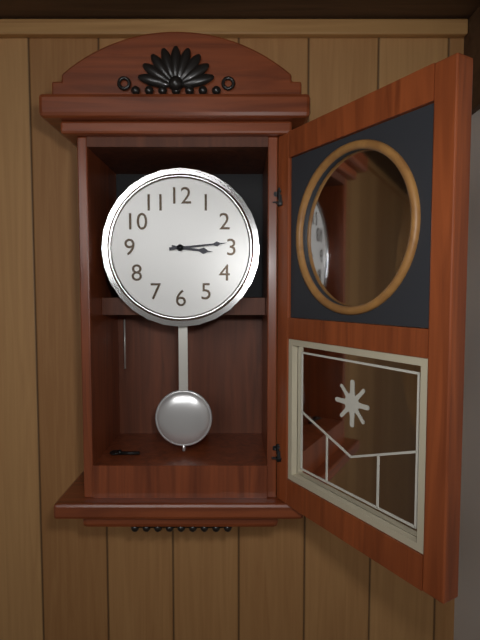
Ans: 3:14
